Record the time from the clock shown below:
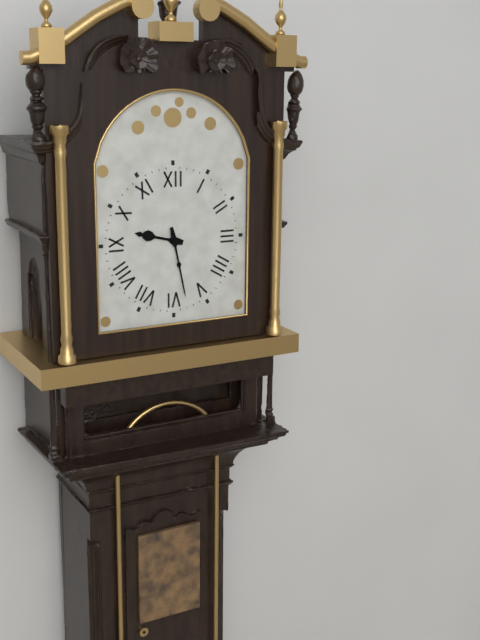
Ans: 9:28
